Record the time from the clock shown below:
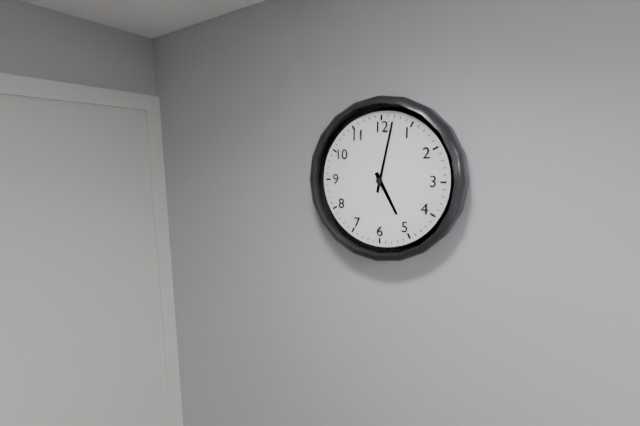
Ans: 5:02
